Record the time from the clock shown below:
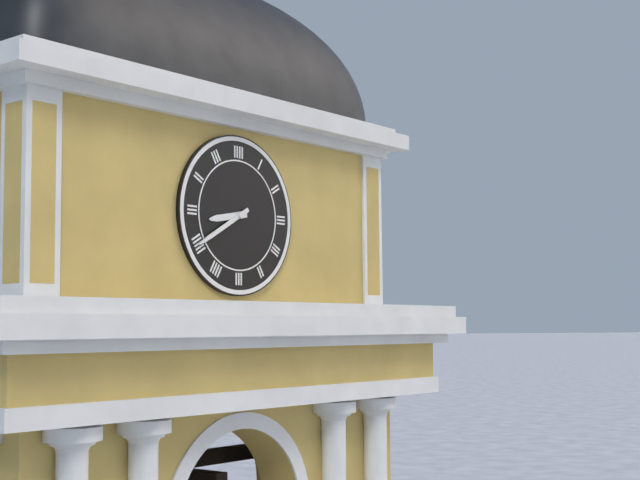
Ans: 8:40
